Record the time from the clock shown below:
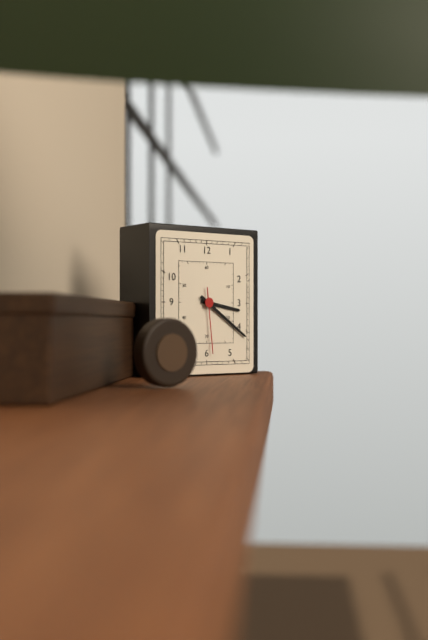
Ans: 3:21:29
